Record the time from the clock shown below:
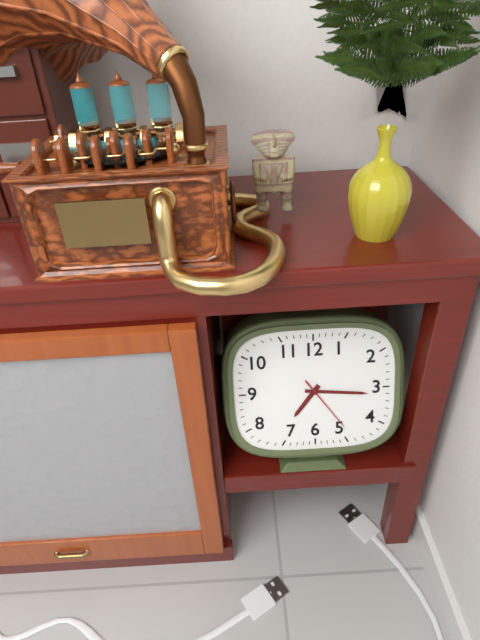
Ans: 7:16:24
